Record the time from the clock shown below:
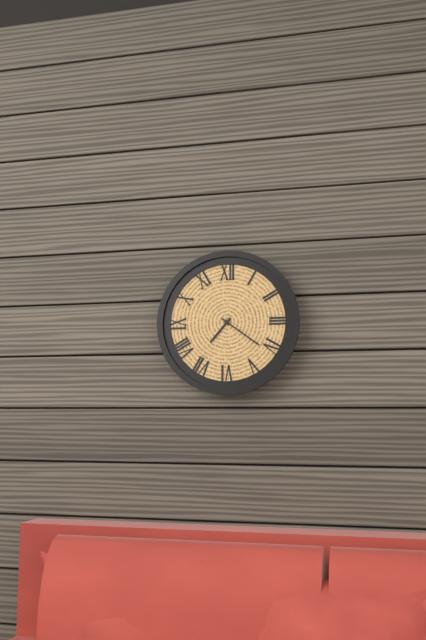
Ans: 7:21
